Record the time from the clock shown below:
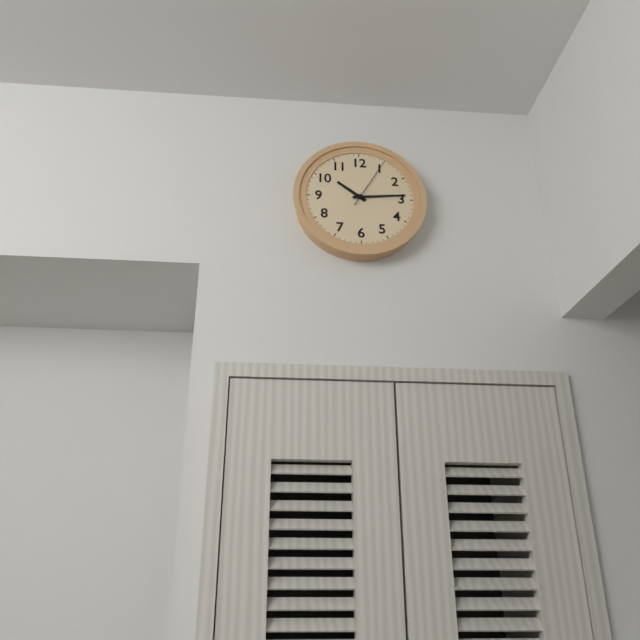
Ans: 10:14
